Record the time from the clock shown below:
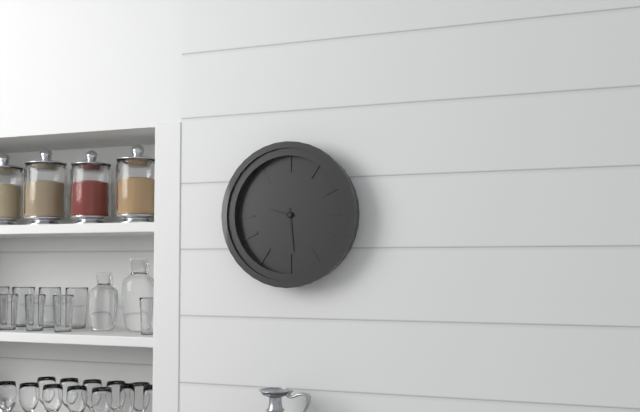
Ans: 9:29
